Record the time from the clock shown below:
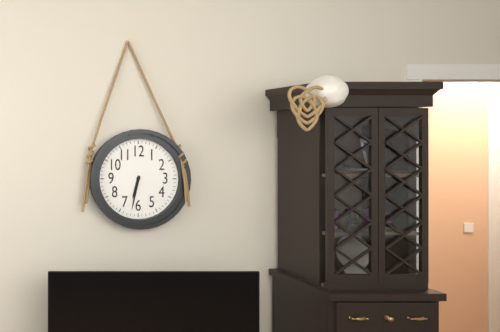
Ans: 6:32
